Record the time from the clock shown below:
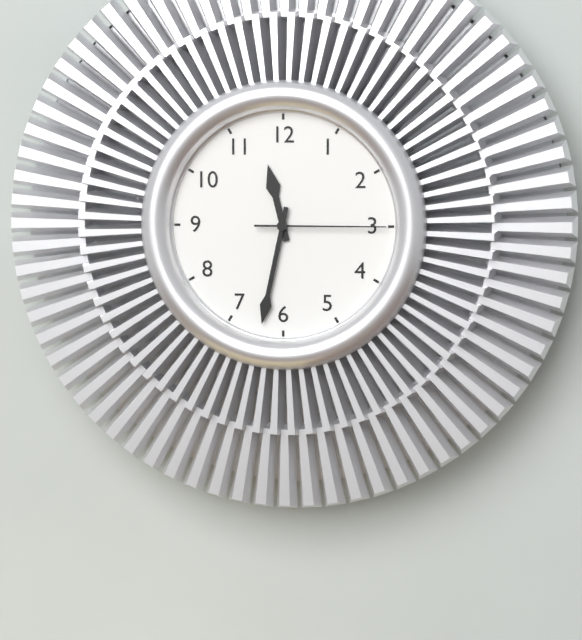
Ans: 11:32:15
